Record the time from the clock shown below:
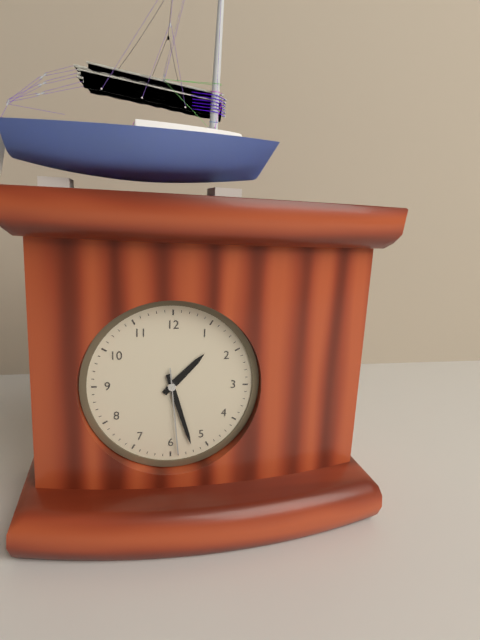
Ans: 1:27:29
